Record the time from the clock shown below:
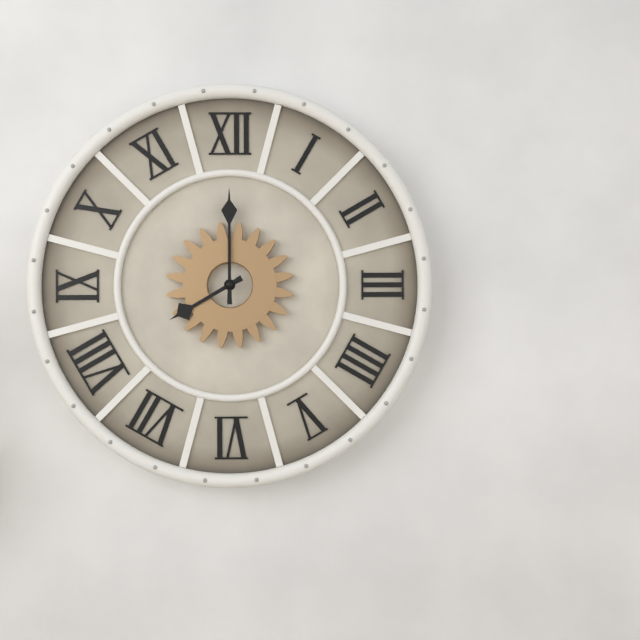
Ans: 8:00
